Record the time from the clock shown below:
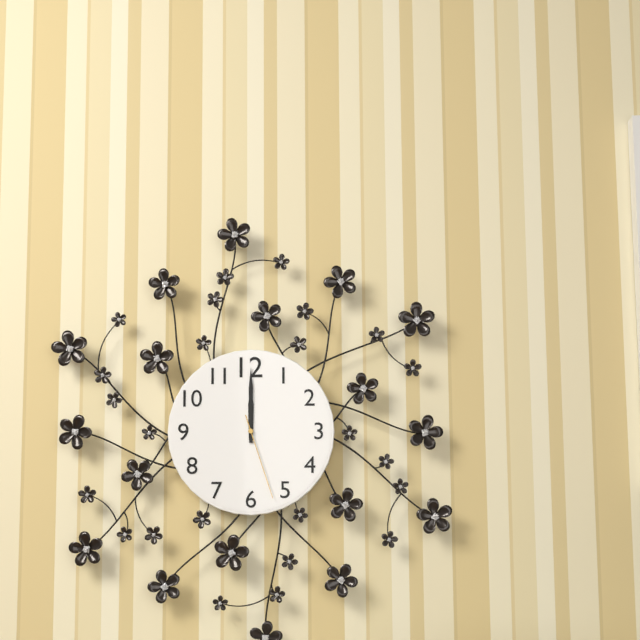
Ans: 12:00:27
